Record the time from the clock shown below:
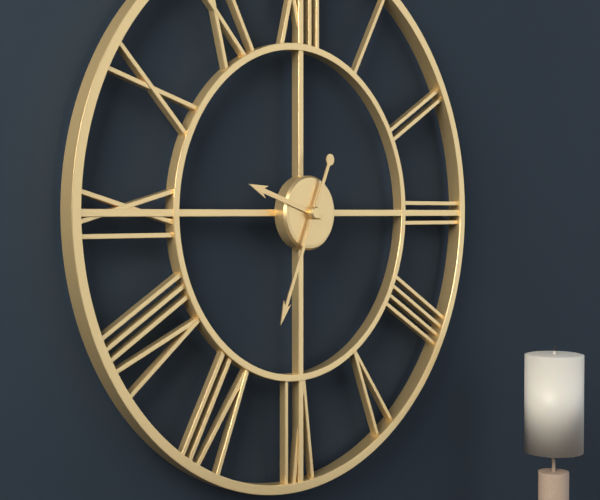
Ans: 9:34
